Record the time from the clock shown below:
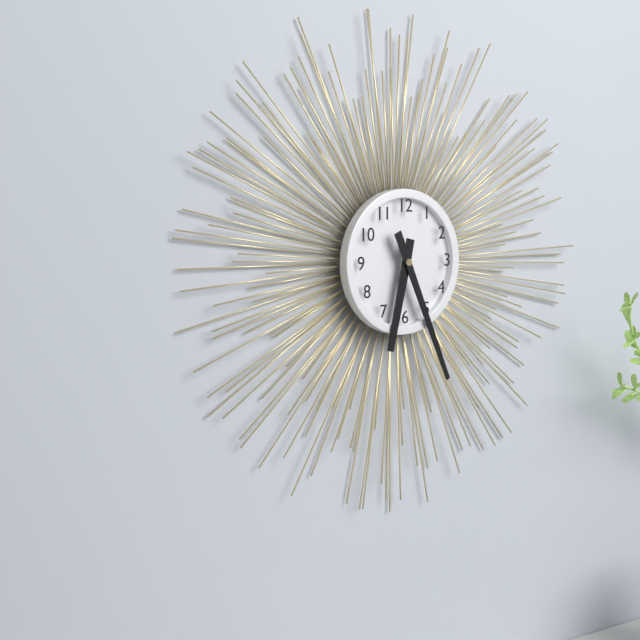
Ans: 6:26
